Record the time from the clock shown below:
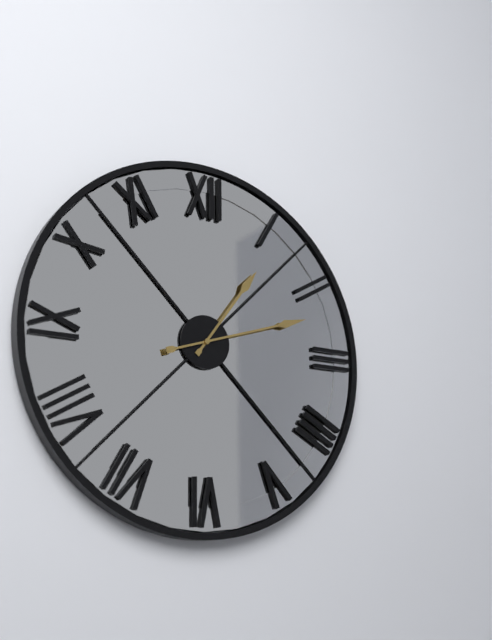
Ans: 1:12
